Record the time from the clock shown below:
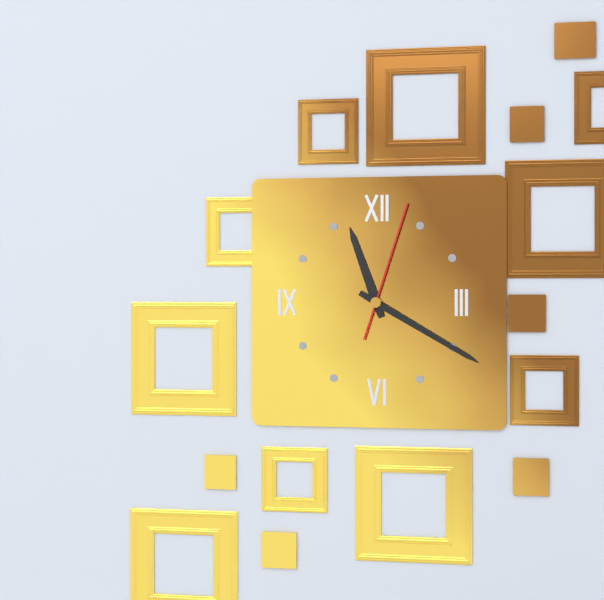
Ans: 11:20:03
